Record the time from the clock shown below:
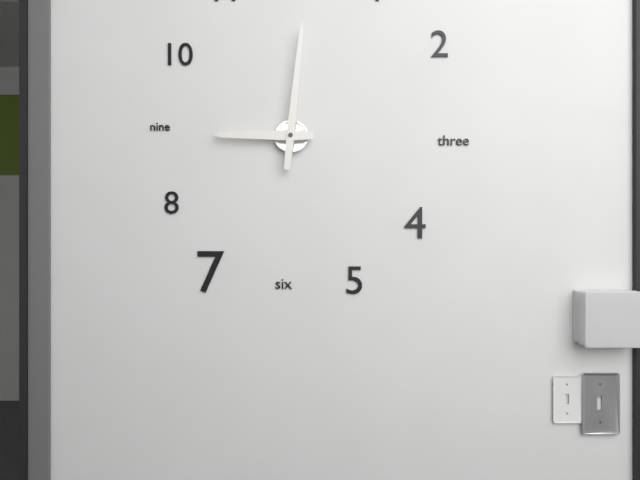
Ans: 9:01
